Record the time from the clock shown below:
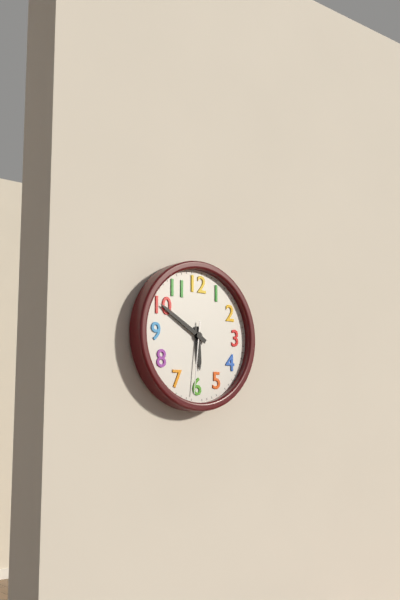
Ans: 5:50:31
